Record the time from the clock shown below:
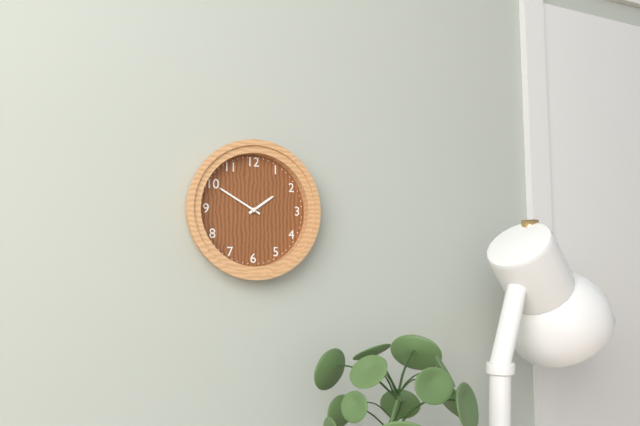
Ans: 1:50
